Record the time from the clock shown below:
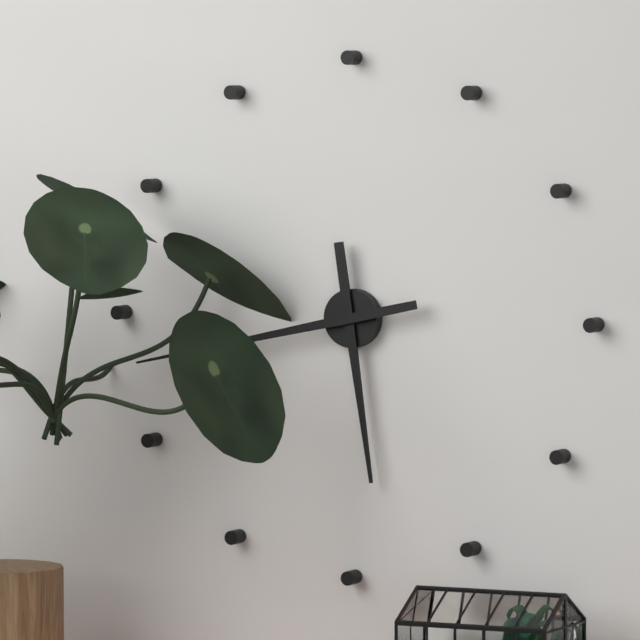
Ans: 5:43
